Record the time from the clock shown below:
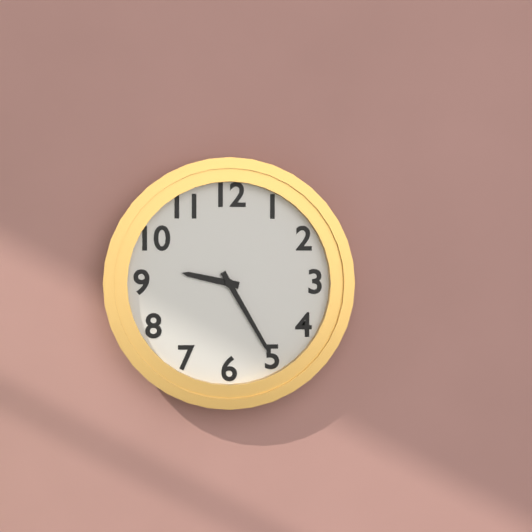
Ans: 9:25
